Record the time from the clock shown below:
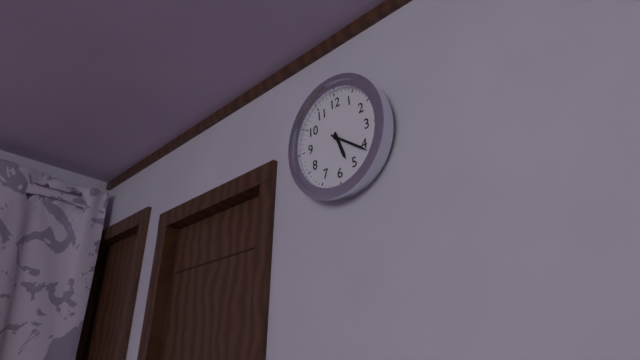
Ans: 5:21
